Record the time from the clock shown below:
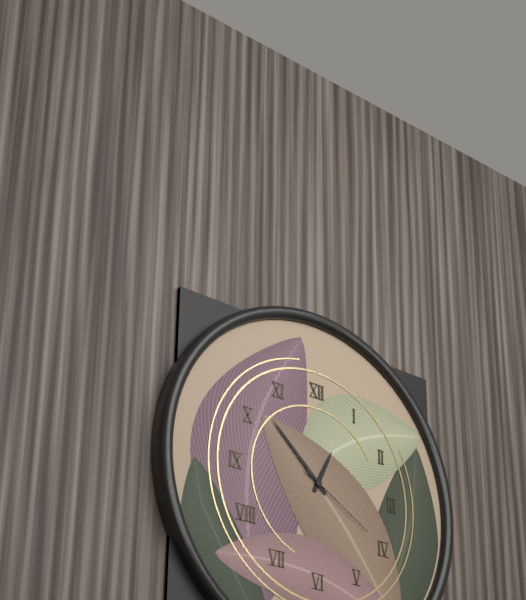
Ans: 12:52:20
